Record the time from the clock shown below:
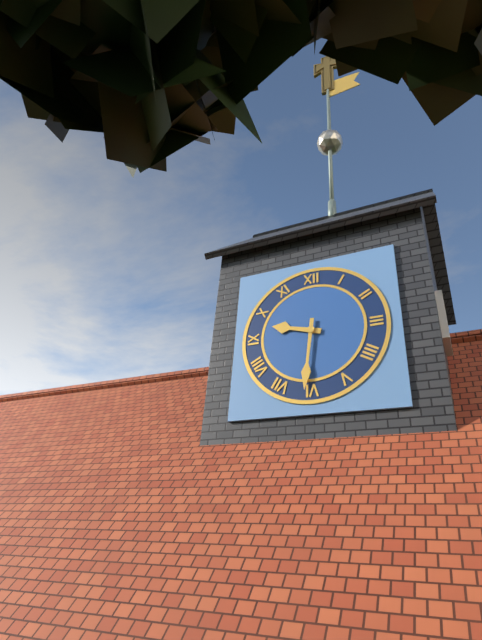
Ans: 9:31
